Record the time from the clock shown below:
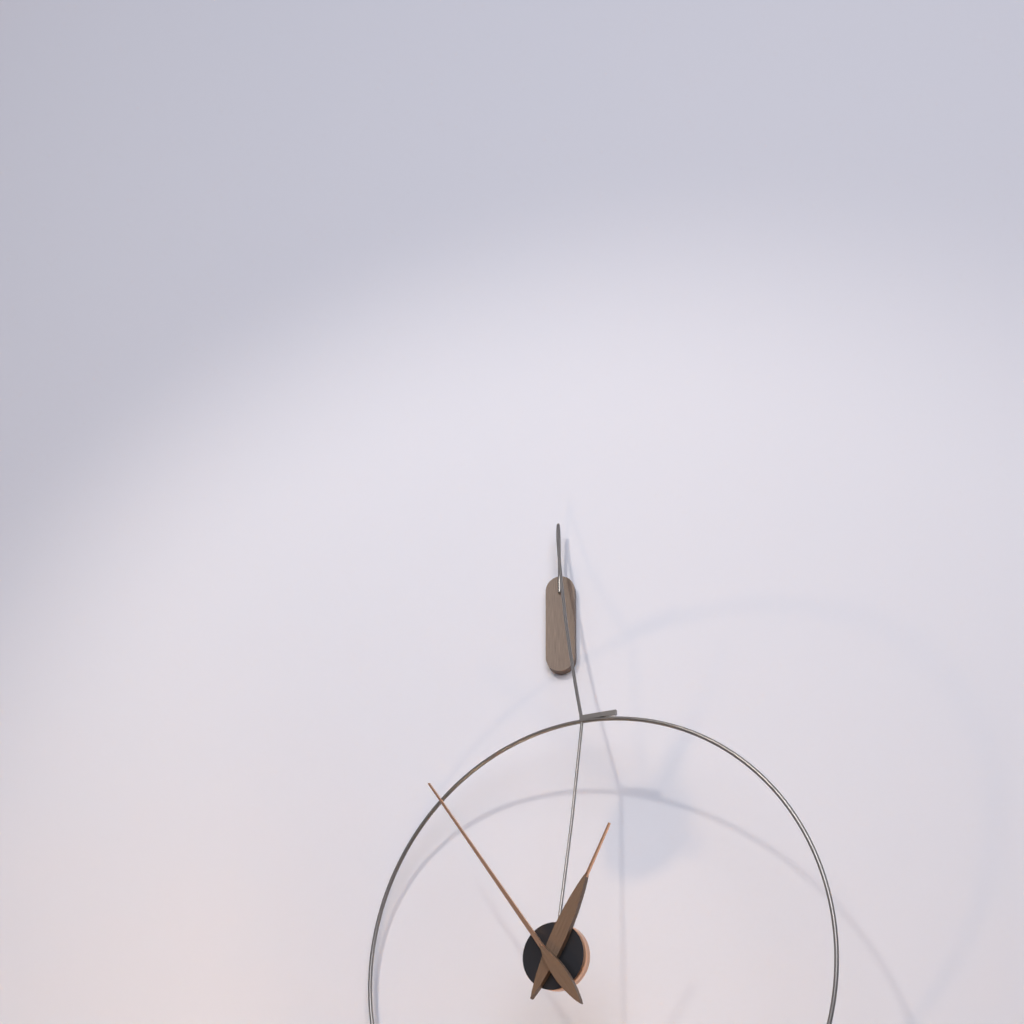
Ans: 12:54
